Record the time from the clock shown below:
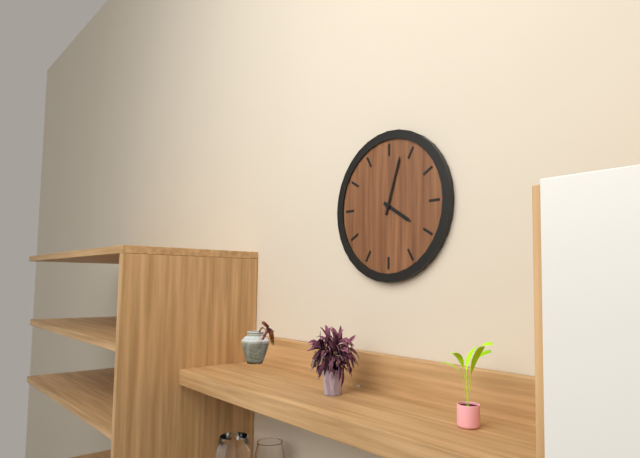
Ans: 4:03
